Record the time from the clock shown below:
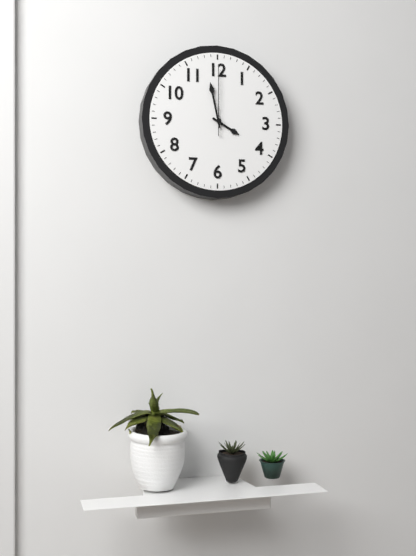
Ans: 3:58:00
